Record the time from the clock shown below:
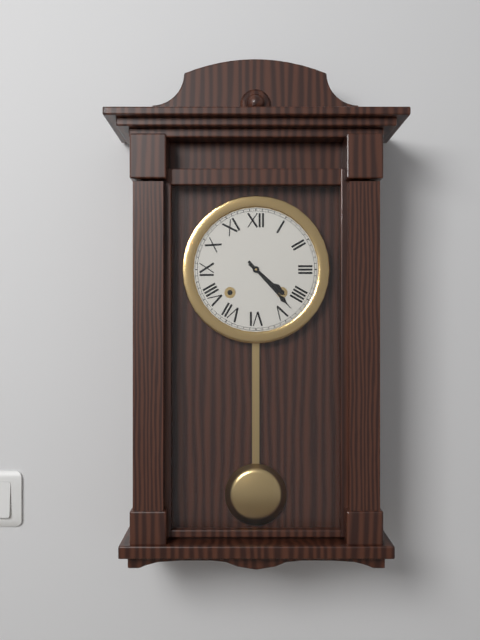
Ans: 4:23
